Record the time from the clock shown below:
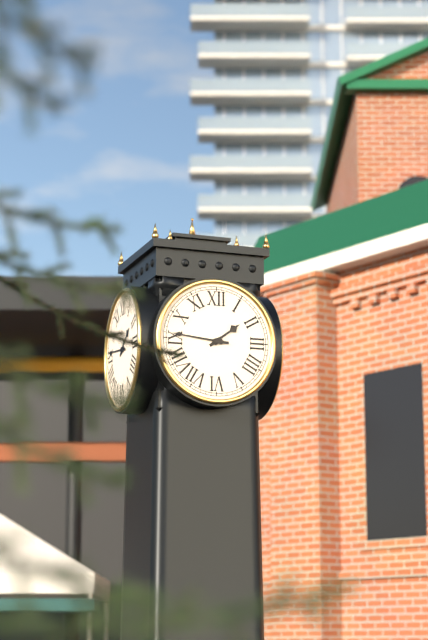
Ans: 1:46
